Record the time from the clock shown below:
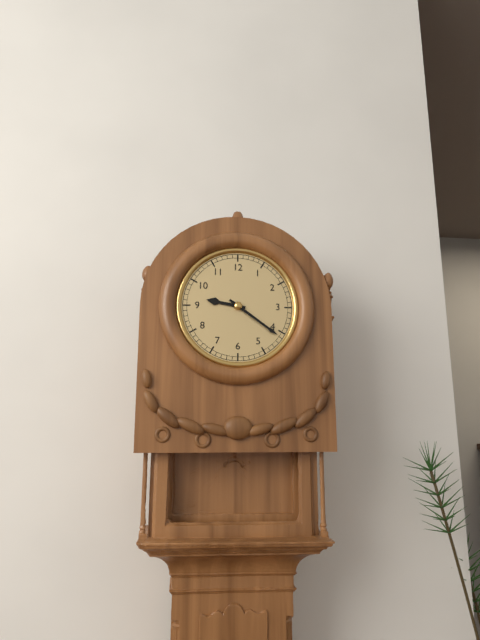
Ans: 9:21
